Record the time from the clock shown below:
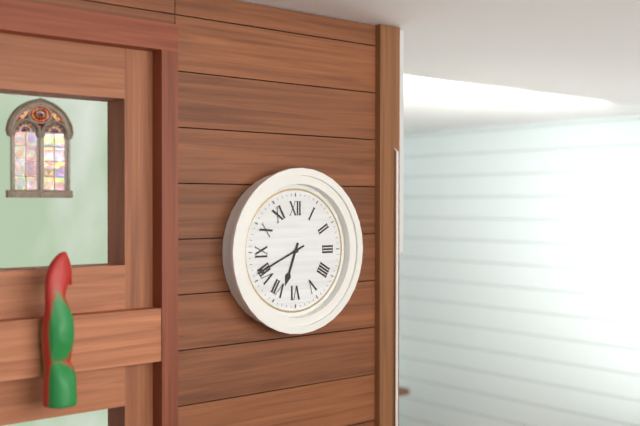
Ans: 6:41
